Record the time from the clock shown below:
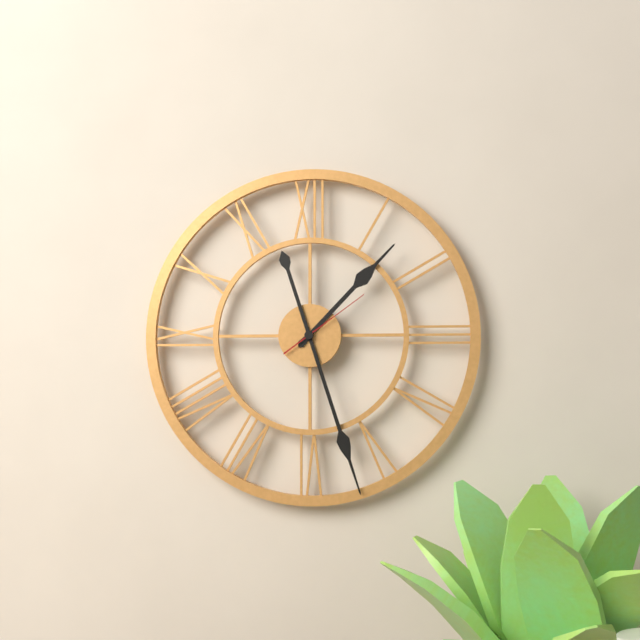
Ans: 1:27:09
